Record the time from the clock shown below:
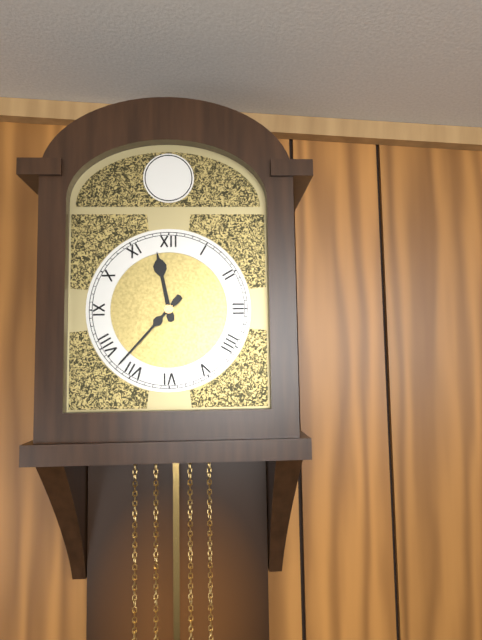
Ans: 11:37
